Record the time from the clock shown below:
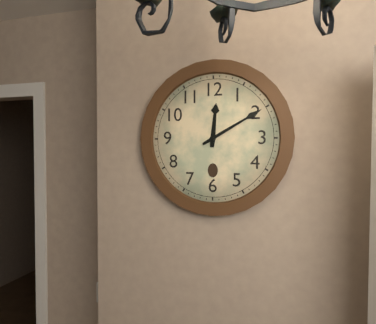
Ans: 12:10
